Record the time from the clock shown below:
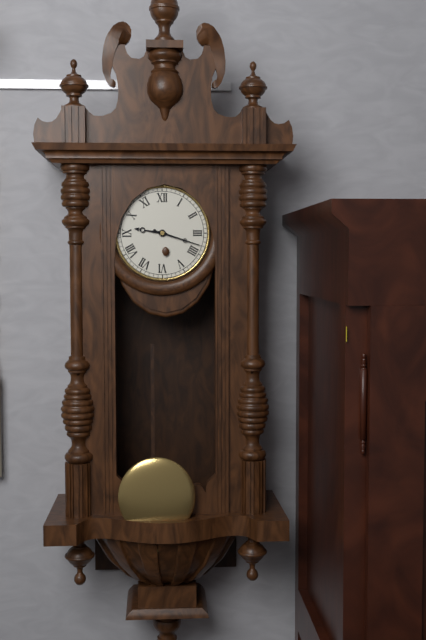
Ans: 9:18
